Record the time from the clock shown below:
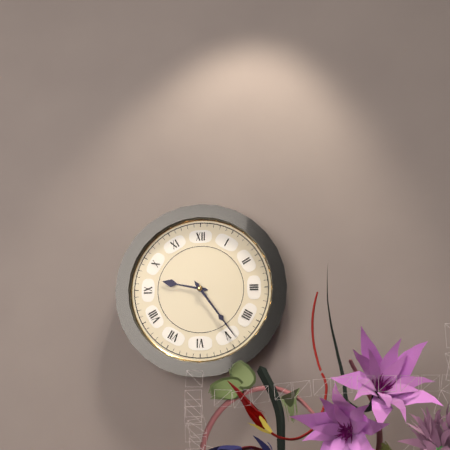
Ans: 9:24
